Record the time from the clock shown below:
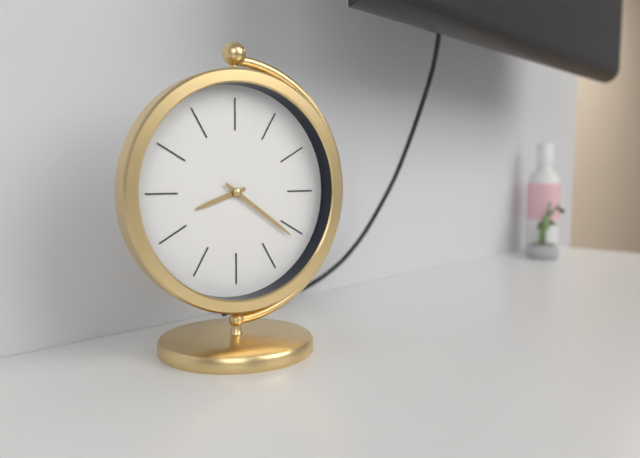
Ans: 8:21
